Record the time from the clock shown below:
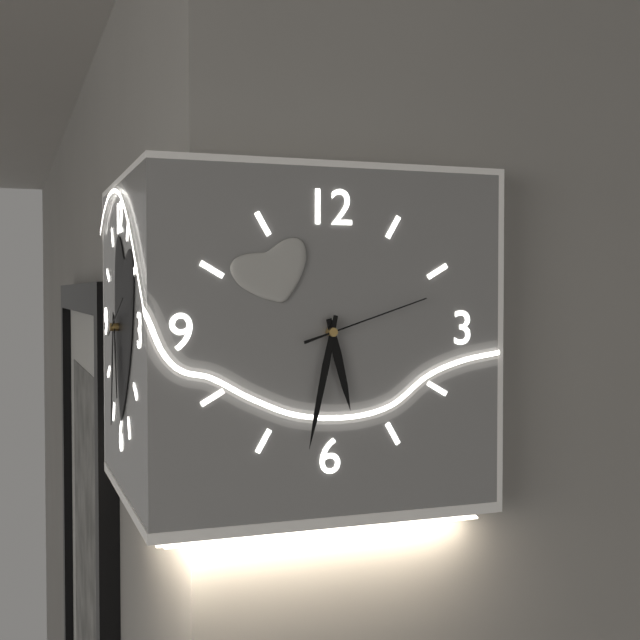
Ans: 5:32:12
